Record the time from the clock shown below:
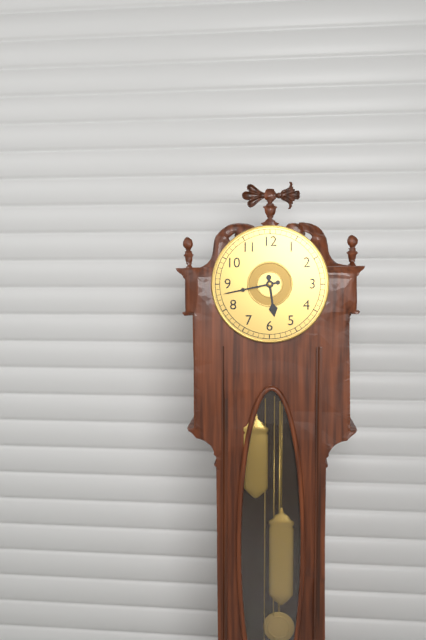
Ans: 5:43
